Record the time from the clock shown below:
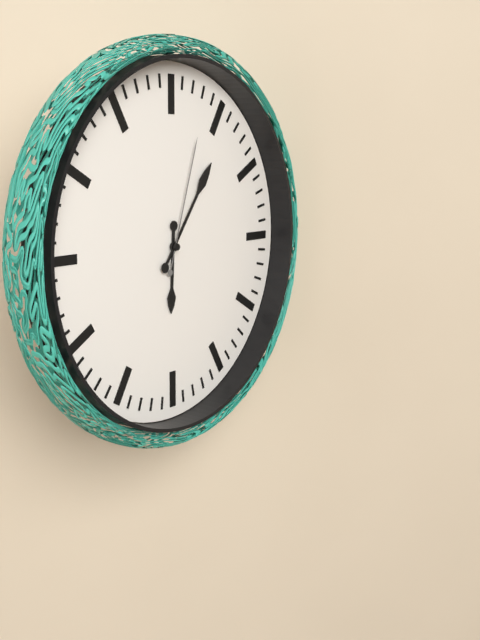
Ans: 6:06:03
